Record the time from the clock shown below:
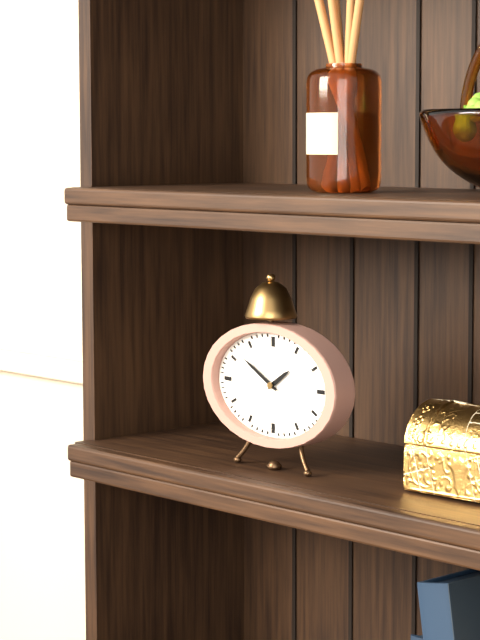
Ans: 1:50
